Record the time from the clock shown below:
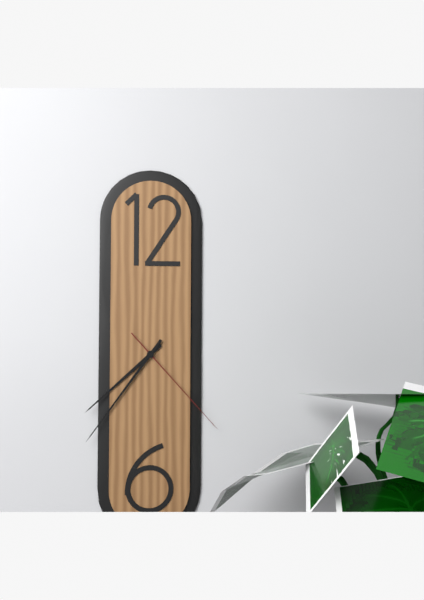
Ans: 7:36:23
